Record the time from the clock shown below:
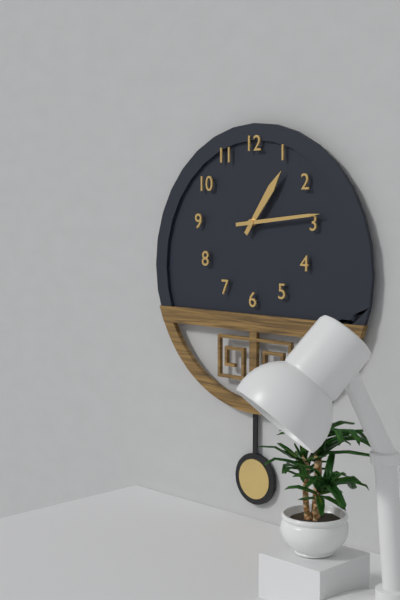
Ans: 1:14
